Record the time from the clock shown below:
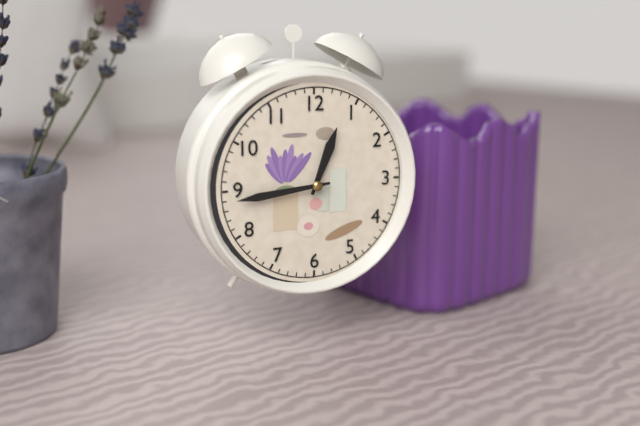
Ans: 12:44
